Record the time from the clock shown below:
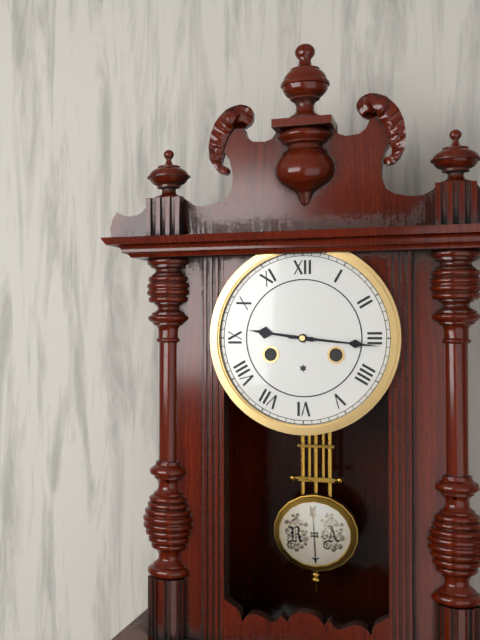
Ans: 9:16
